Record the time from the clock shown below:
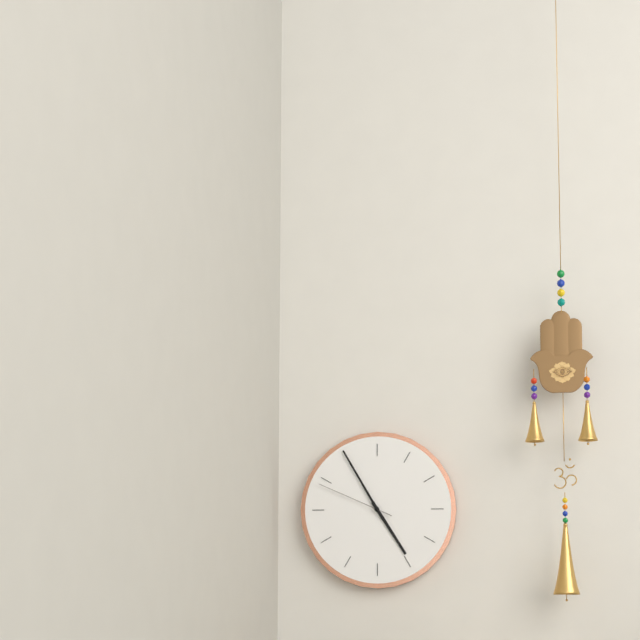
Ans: 4:55:49
